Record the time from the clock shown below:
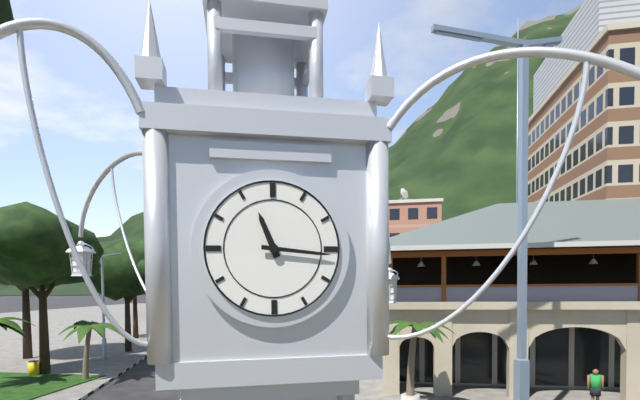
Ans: 11:16
